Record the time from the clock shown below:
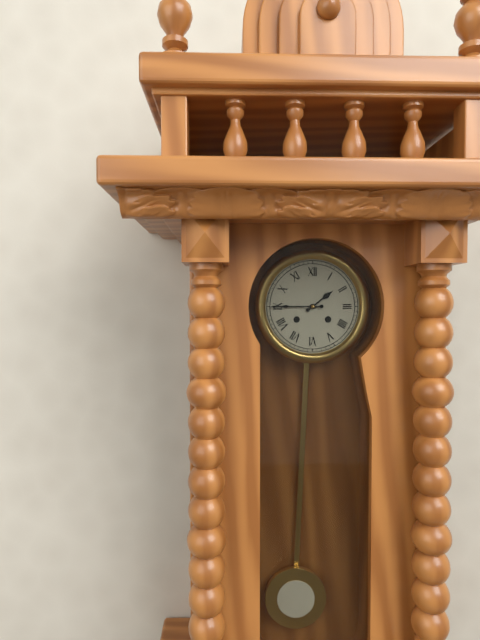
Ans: 1:45
